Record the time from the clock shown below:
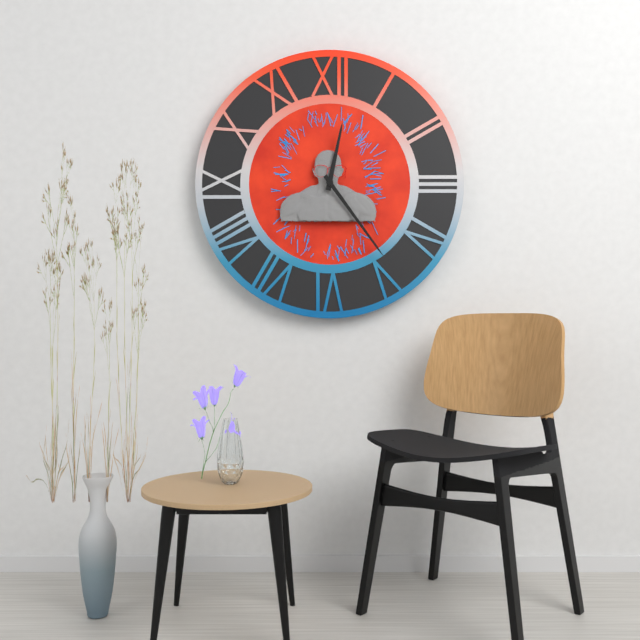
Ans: 12:24
